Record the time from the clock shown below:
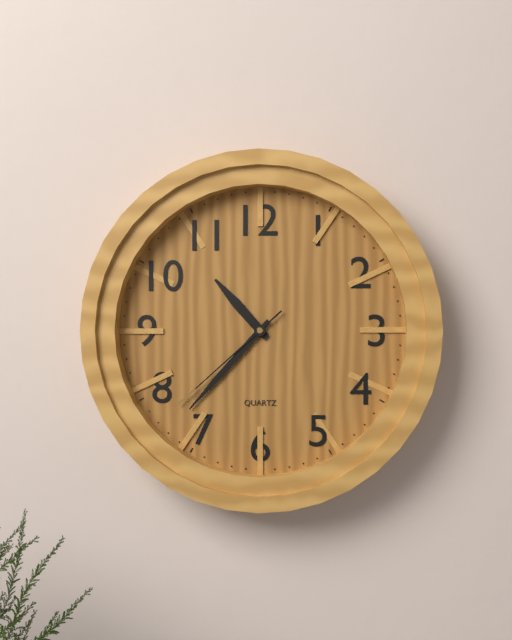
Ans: 10:37:38
